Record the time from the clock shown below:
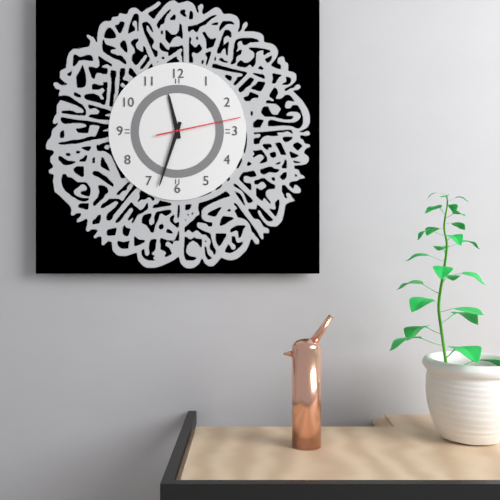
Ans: 11:33:13
